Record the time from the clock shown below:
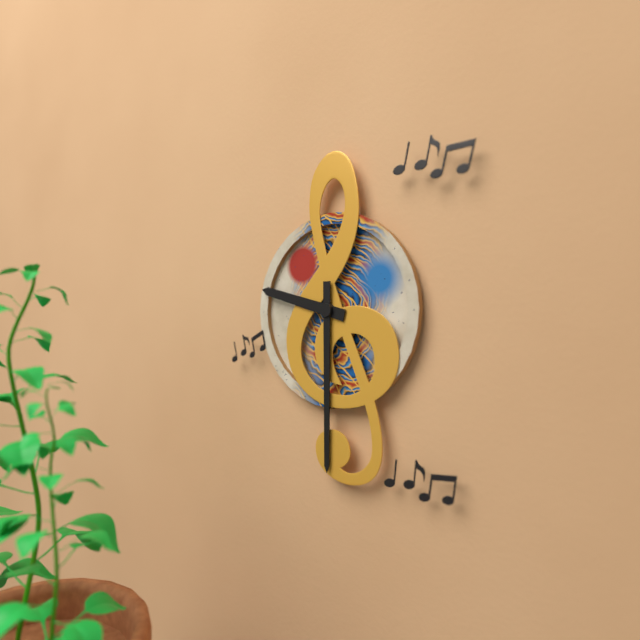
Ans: 9:30
